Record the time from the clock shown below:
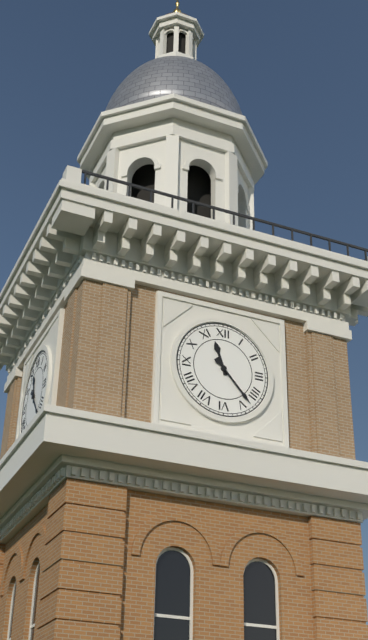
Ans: 11:23
